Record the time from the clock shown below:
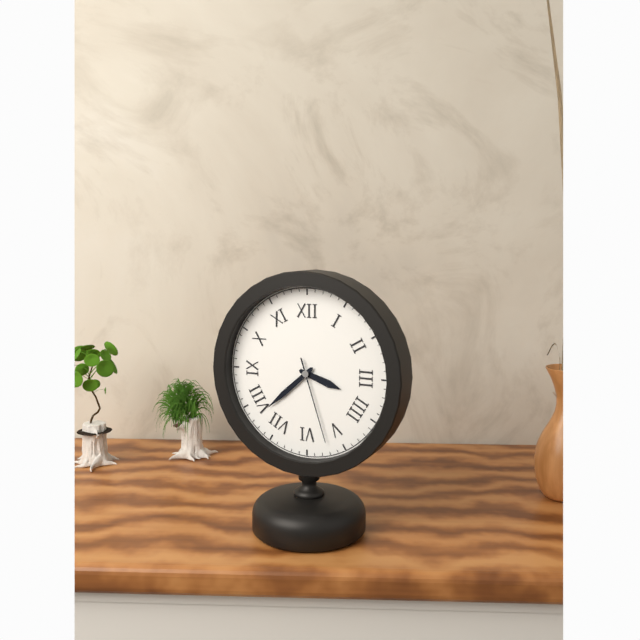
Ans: 3:38:27
